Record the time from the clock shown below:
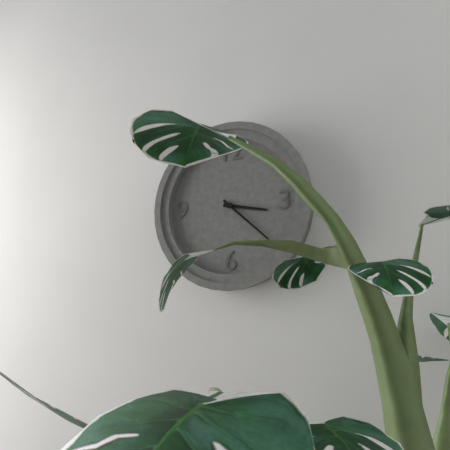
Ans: 3:22
